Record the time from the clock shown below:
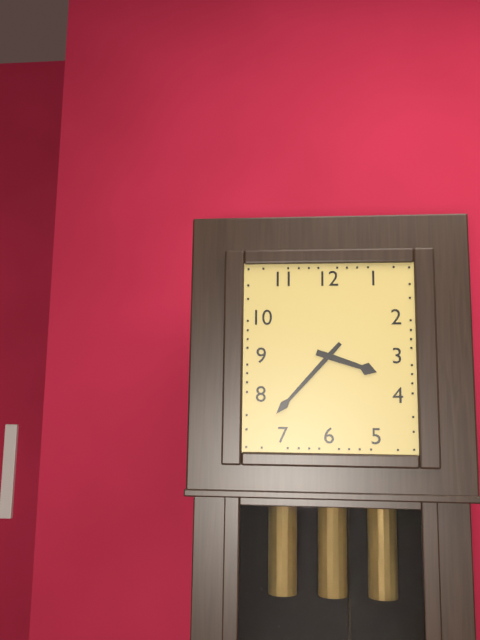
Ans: 3:37
